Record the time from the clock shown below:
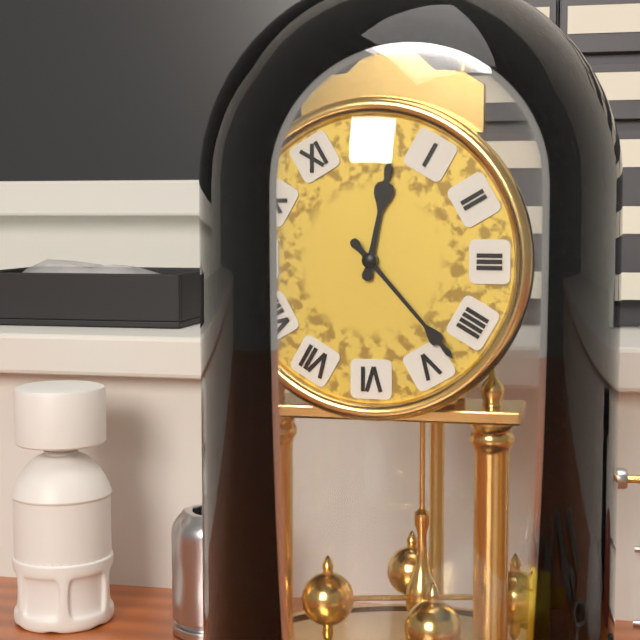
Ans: 12:23
